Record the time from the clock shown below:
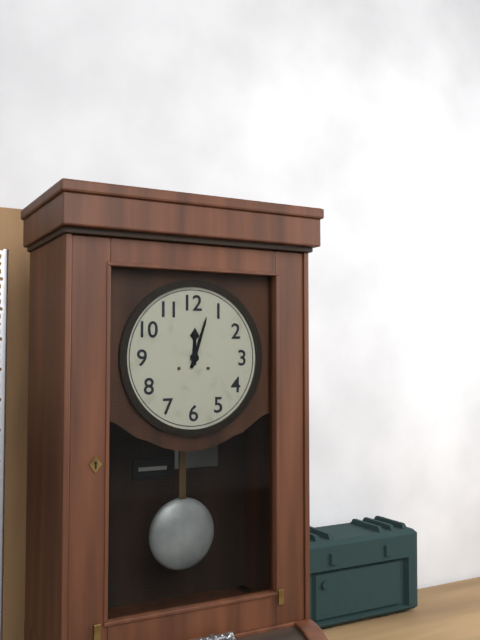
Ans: 12:03
